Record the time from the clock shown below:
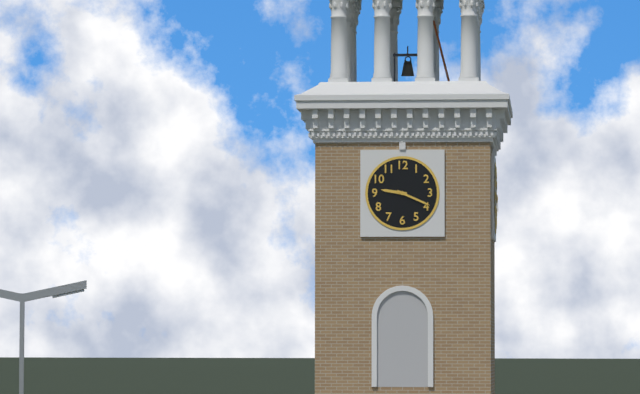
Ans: 9:19
